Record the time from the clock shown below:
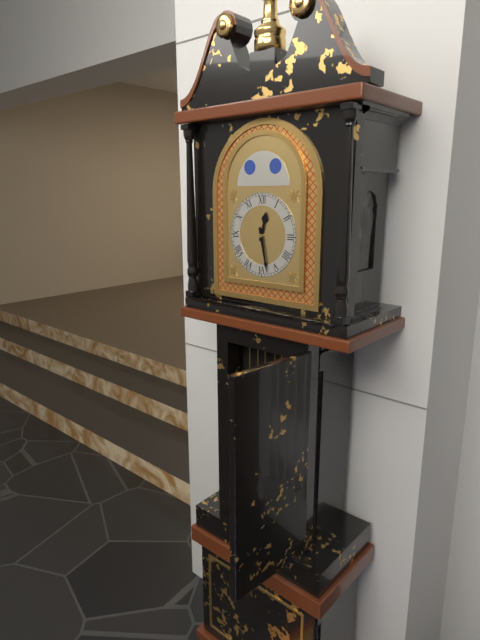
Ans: 12:28
